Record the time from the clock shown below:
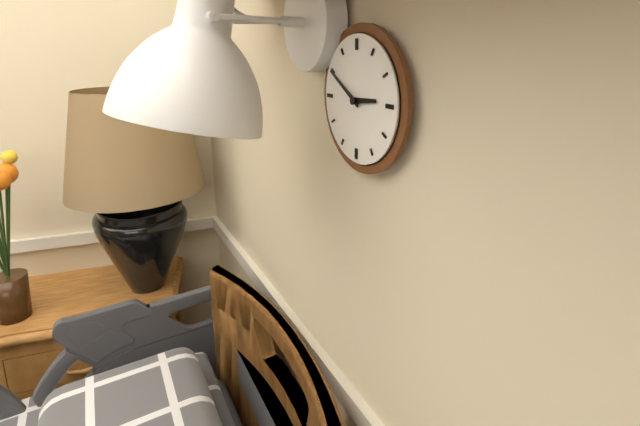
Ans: 2:50
